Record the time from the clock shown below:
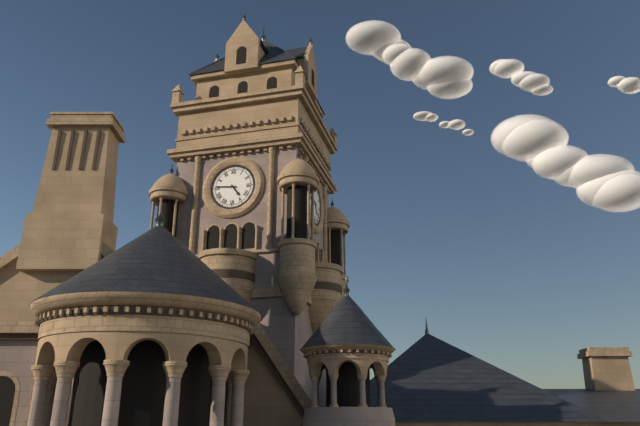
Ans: 4:46
